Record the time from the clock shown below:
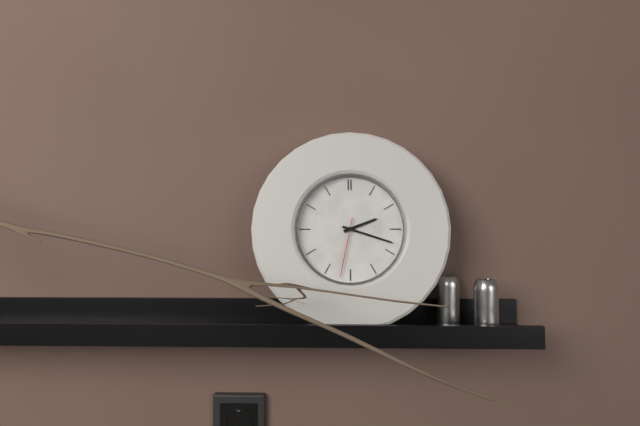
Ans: 2:18:32
